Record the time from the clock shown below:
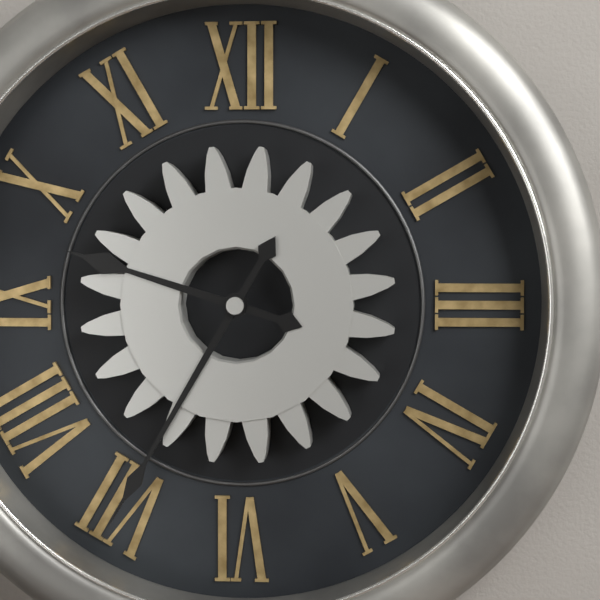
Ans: 9:35
